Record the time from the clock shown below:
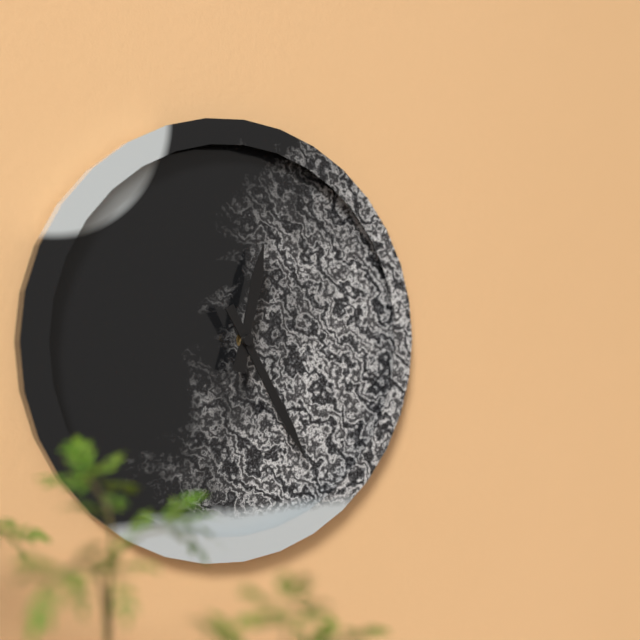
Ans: 12:25
